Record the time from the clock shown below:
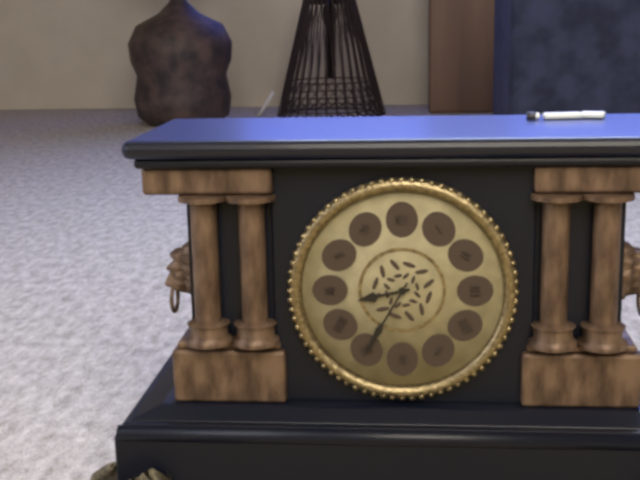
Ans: 8:35
